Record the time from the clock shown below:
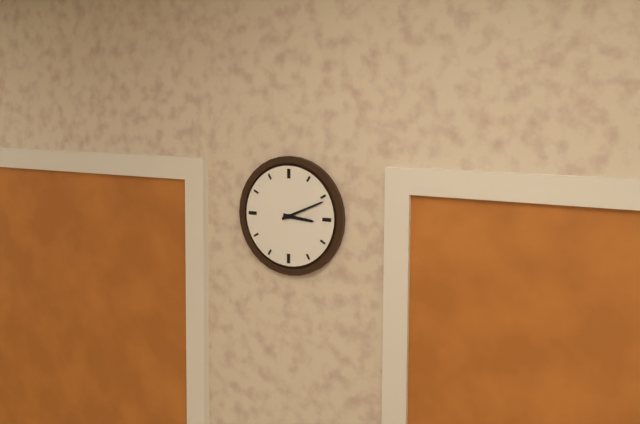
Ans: 3:11
